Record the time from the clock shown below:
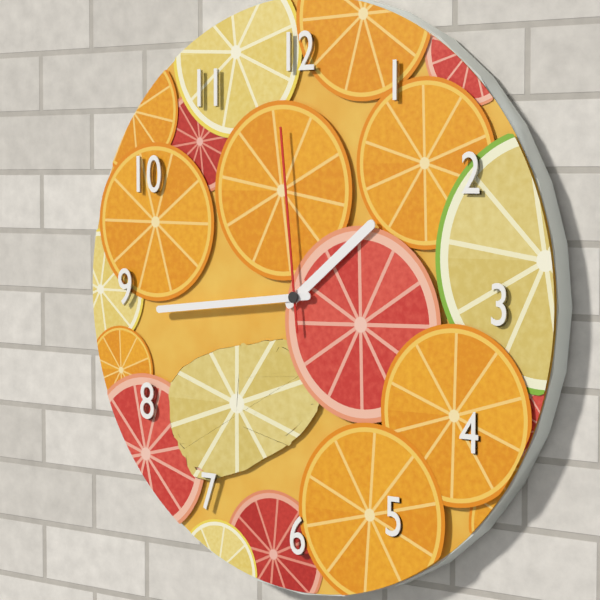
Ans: 1:44:59
